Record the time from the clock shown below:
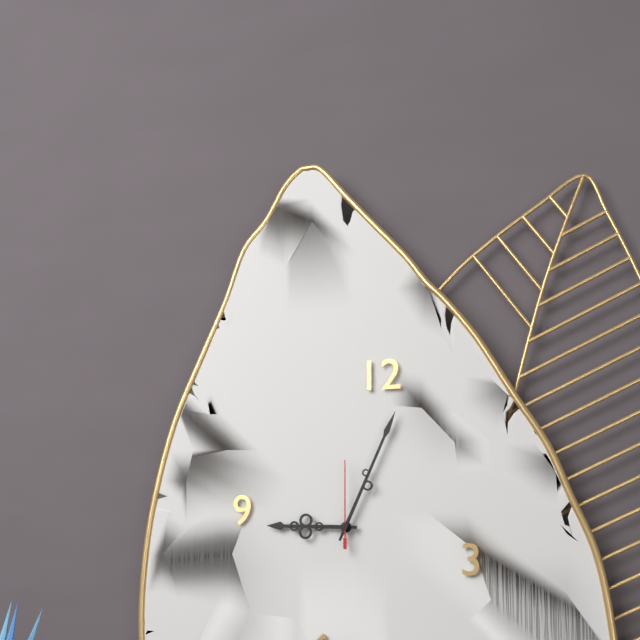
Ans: 9:04:00
